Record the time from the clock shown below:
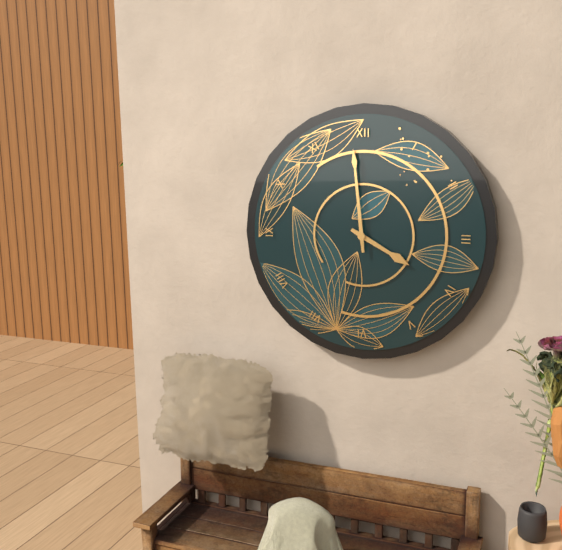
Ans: 3:59
